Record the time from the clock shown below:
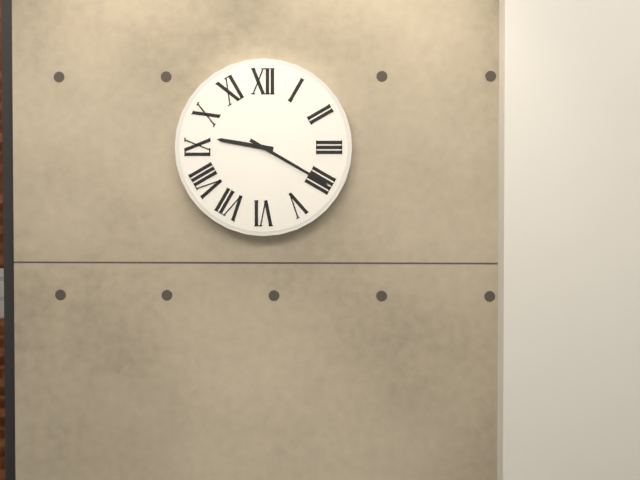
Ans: 9:20
